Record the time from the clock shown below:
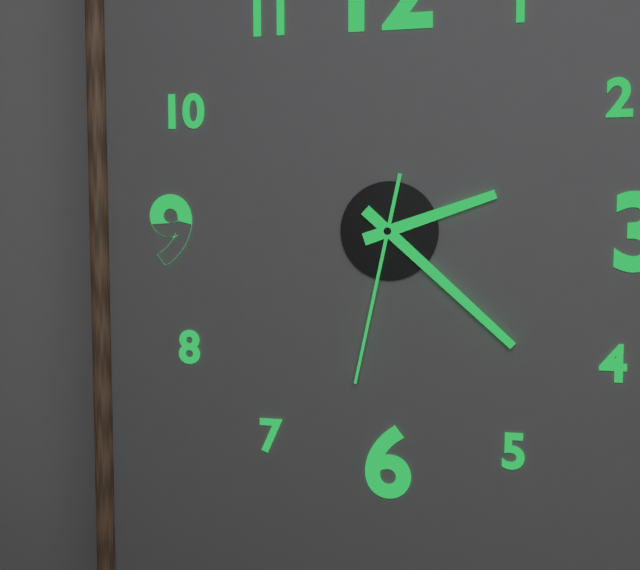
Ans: 2:22:32
